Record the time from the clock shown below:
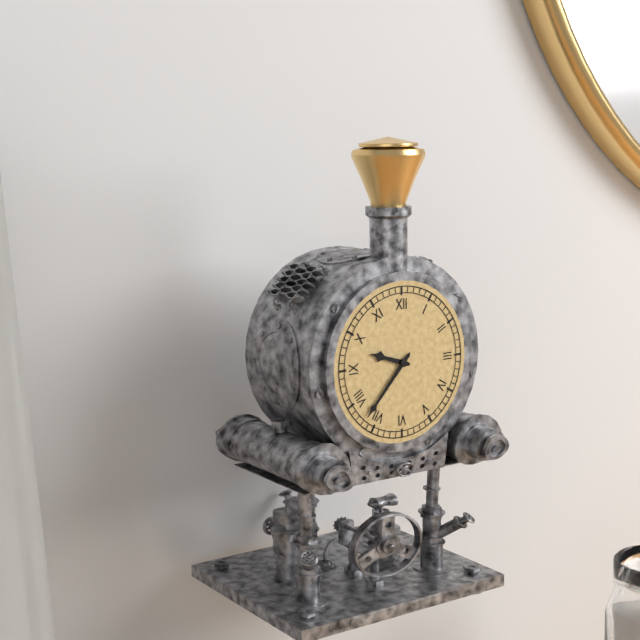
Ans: 9:37
